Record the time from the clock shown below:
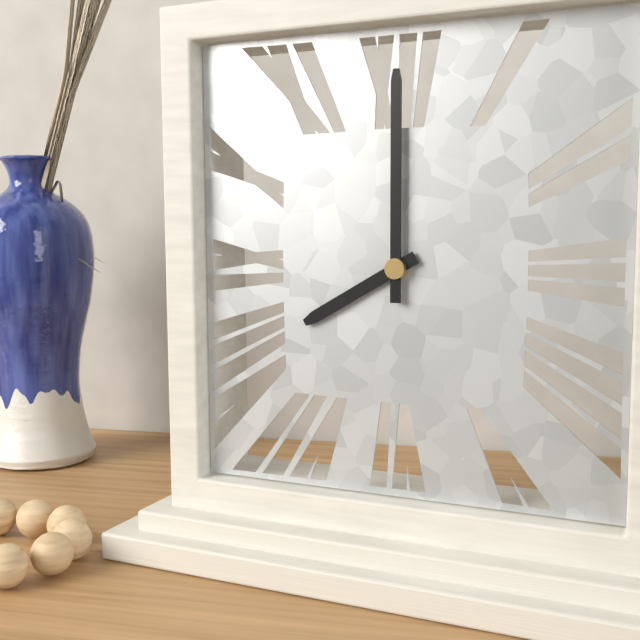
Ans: 8:00
